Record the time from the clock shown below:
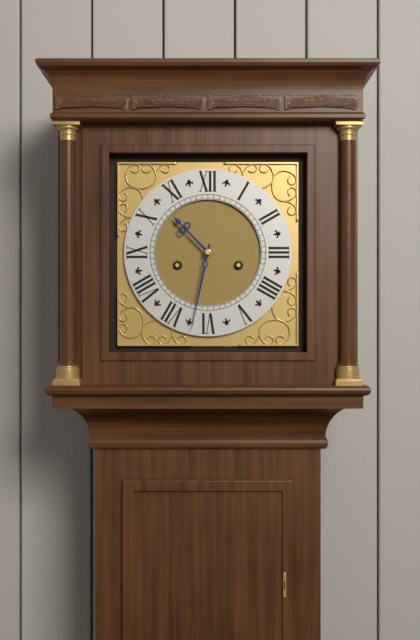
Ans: 10:32
